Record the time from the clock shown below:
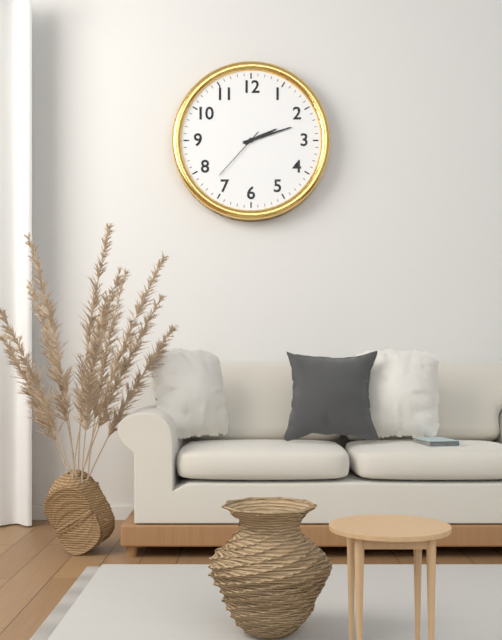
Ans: 2:12:37
